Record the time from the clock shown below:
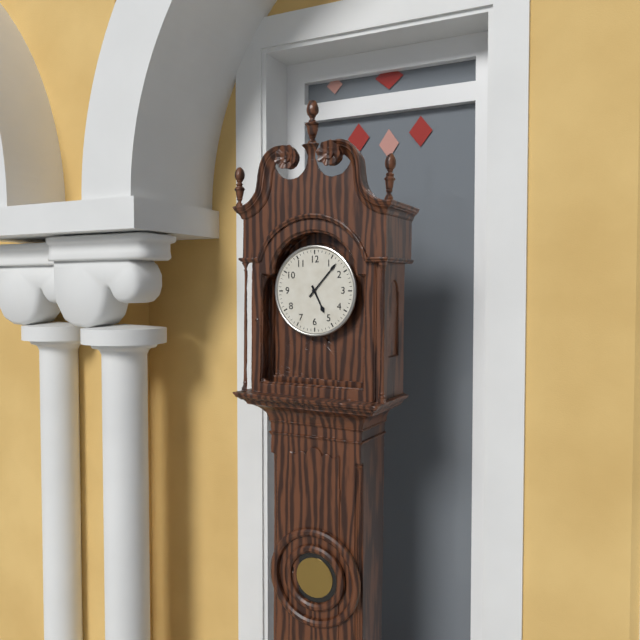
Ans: 5:07
